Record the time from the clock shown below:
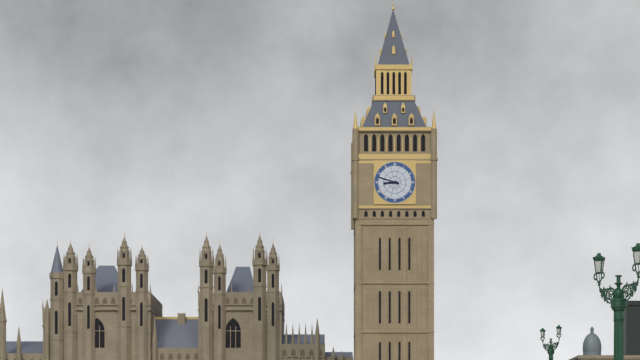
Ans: 8:48
